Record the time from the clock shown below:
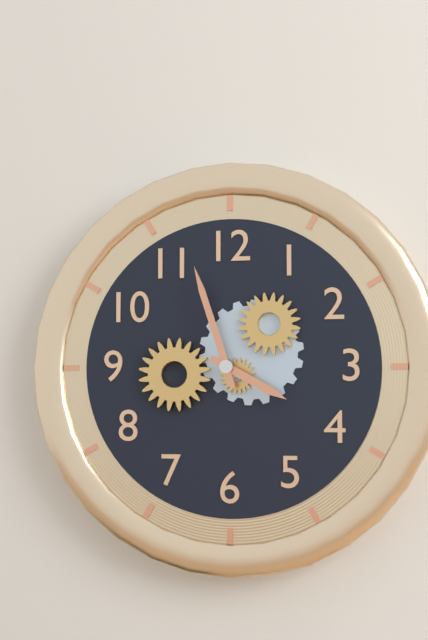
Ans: 3:57
